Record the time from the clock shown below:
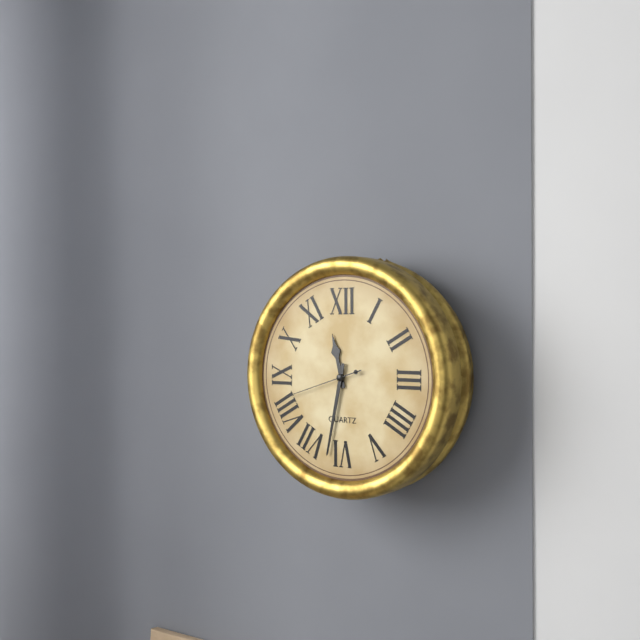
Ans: 11:32:42
